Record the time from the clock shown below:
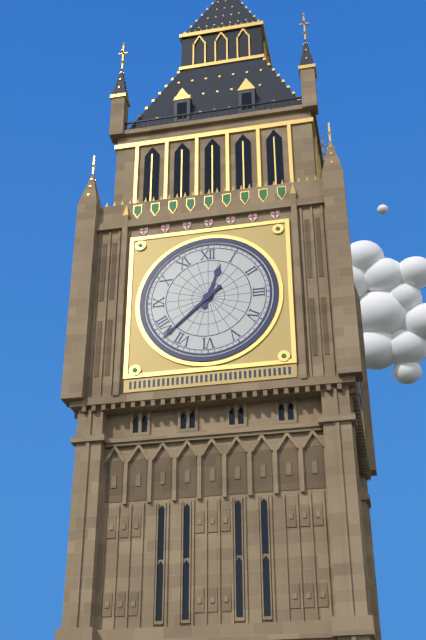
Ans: 12:38
